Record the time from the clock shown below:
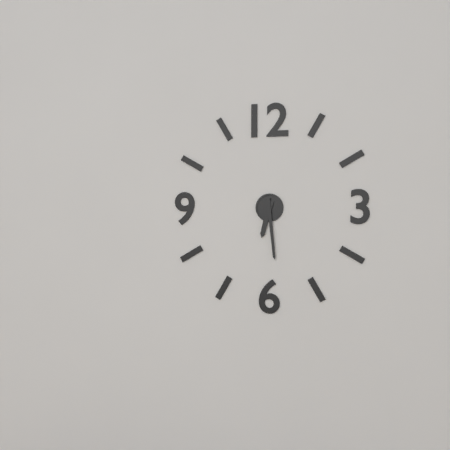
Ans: 6:29
